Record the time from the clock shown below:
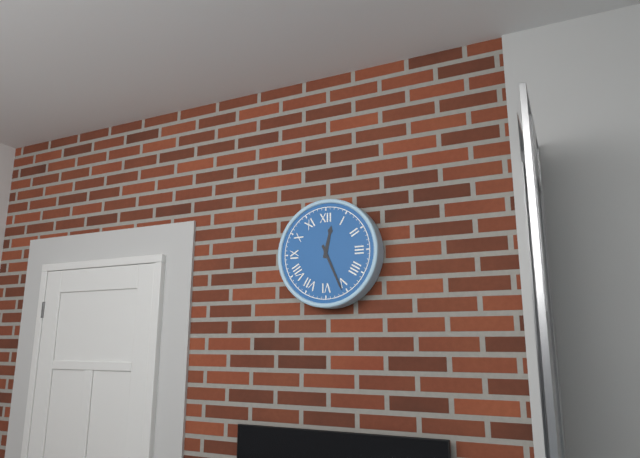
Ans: 12:26
